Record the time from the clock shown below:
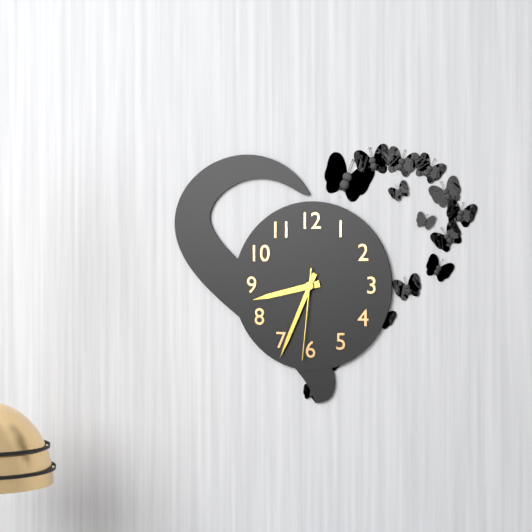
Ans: 8:34:31
